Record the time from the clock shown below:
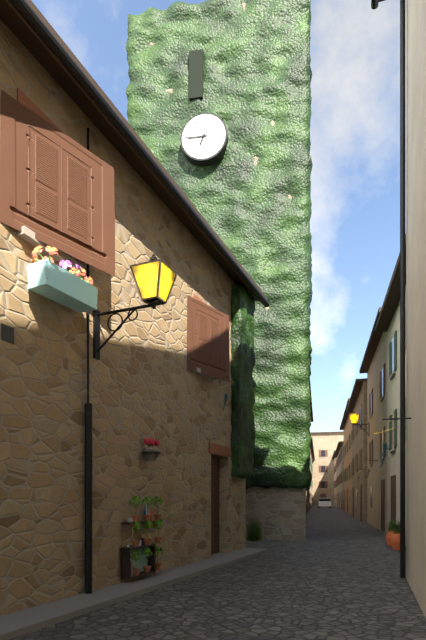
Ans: 6:45
